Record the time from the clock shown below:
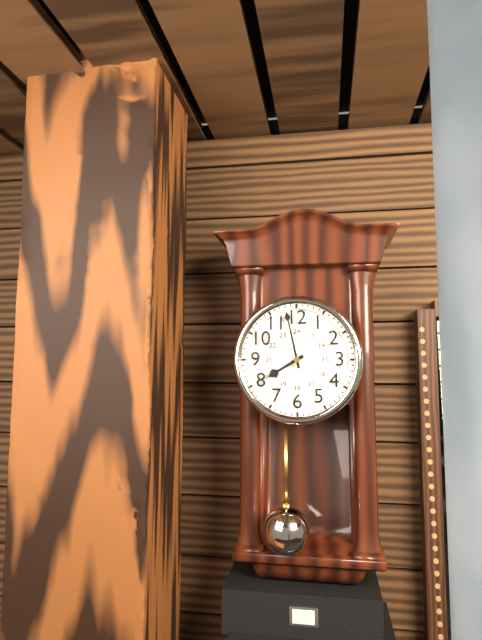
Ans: 7:58
